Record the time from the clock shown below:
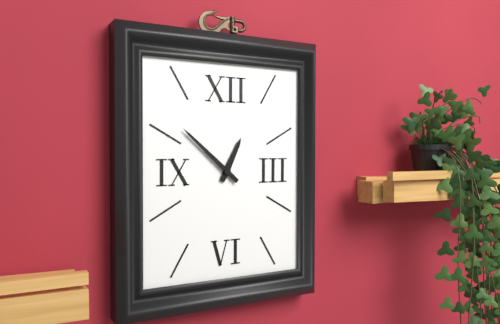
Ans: 12:52
